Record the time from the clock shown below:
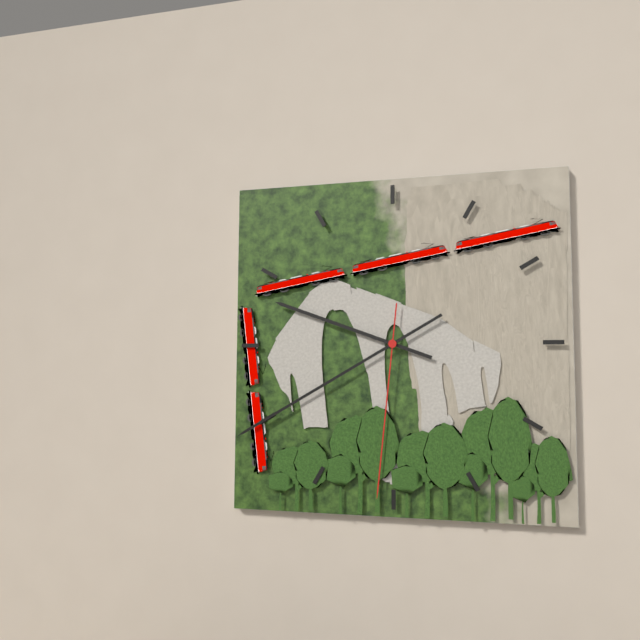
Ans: 9:40:31
